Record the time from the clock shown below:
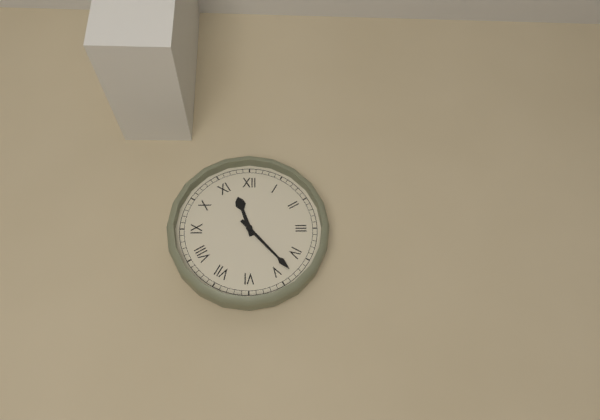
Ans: 11:23
